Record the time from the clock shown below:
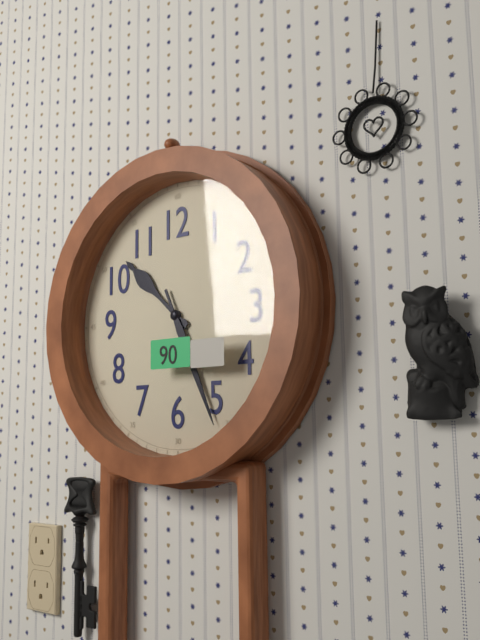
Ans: 10:26
